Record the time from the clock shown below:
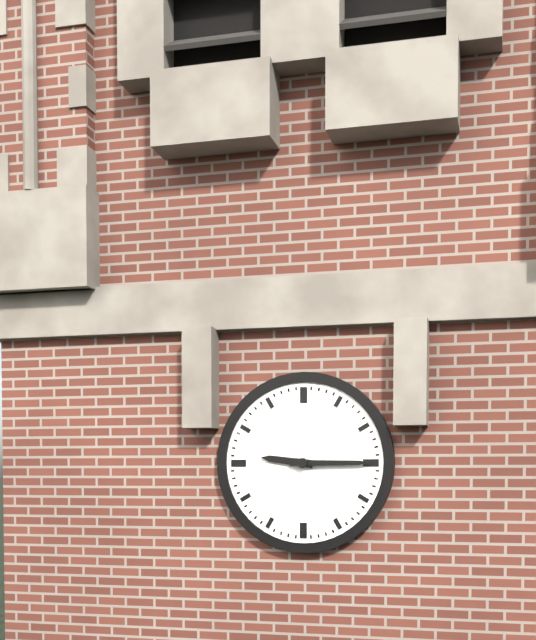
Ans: 9:15
